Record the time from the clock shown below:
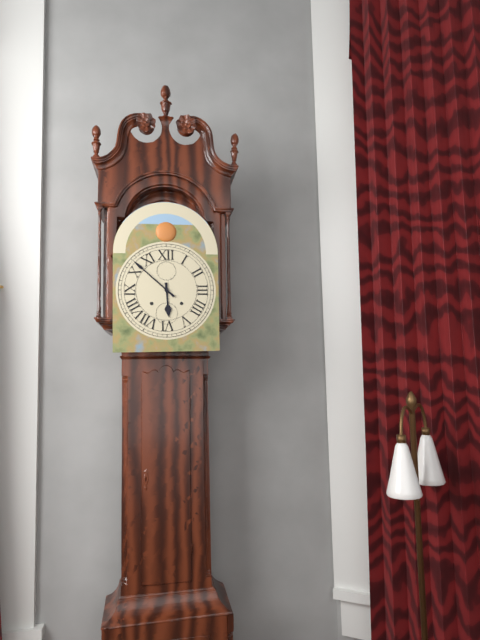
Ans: 5:52
